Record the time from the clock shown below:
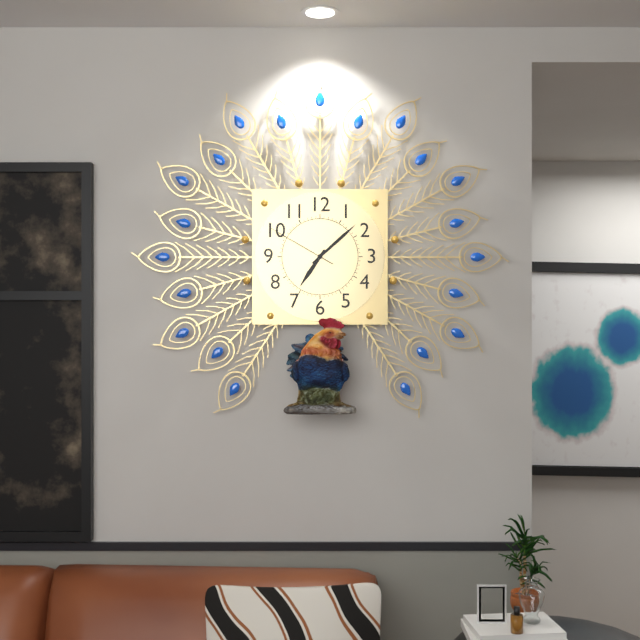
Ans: 7:08:50
